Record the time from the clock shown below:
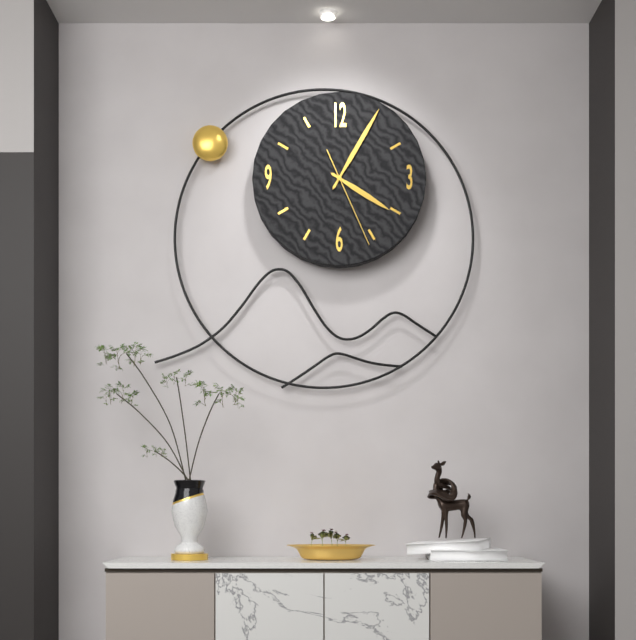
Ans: 4:05:26
